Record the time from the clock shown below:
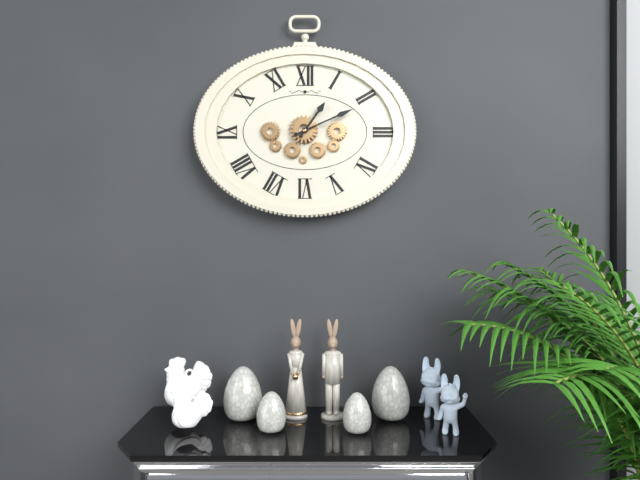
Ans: 1:11
